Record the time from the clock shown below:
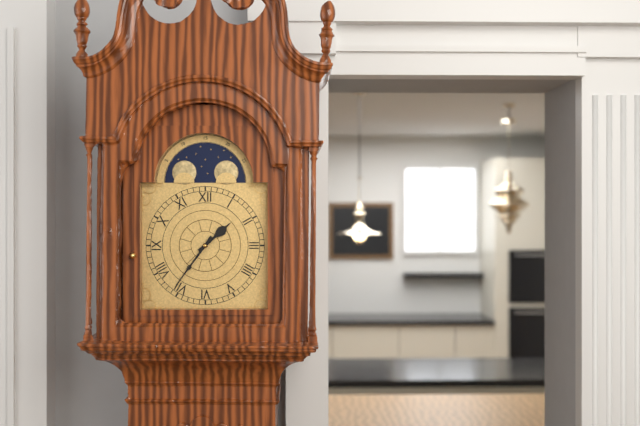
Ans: 1:36
